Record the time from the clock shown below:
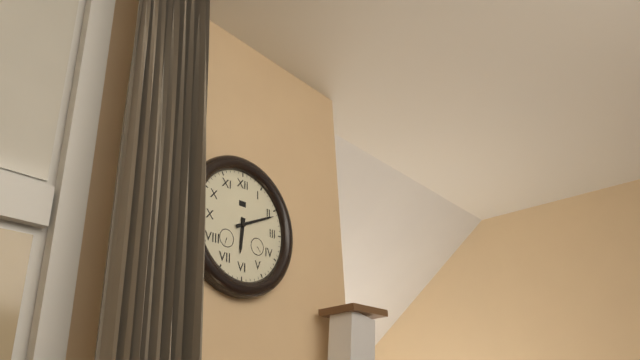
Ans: 6:11
